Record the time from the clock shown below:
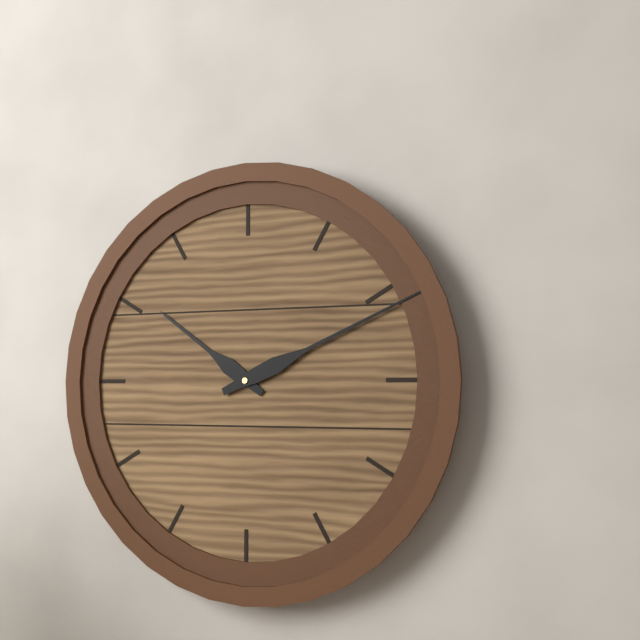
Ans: 10:11
